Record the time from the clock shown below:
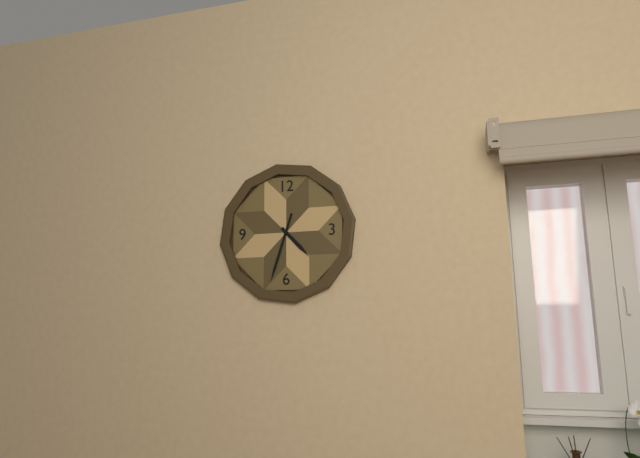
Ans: 4:33
